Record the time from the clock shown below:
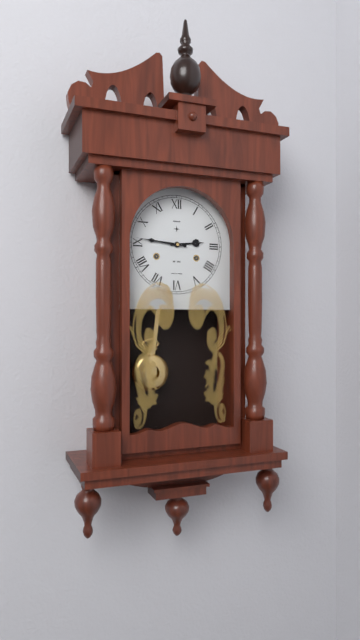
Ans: 2:46
